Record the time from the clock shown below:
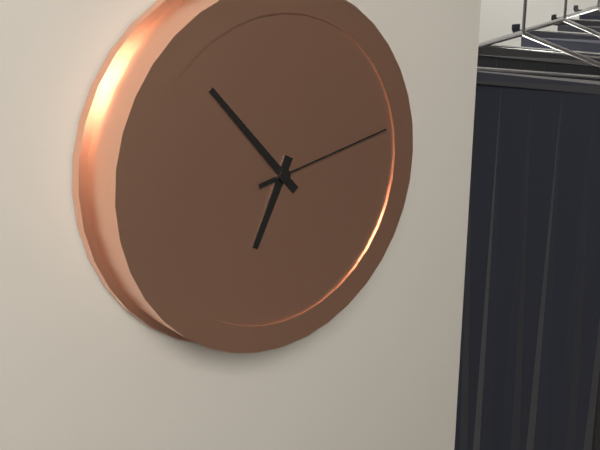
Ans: 6:53:13
